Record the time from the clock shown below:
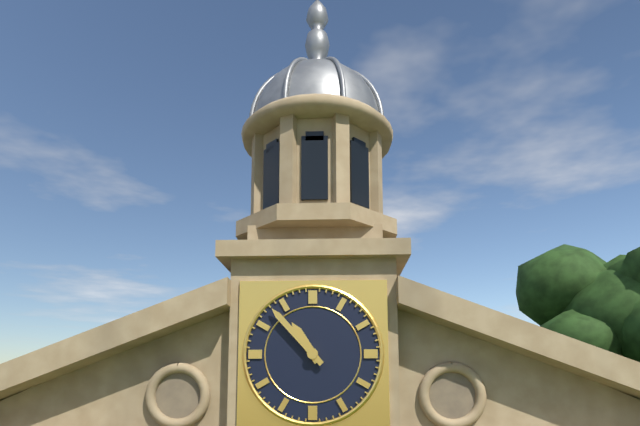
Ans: 10:53
